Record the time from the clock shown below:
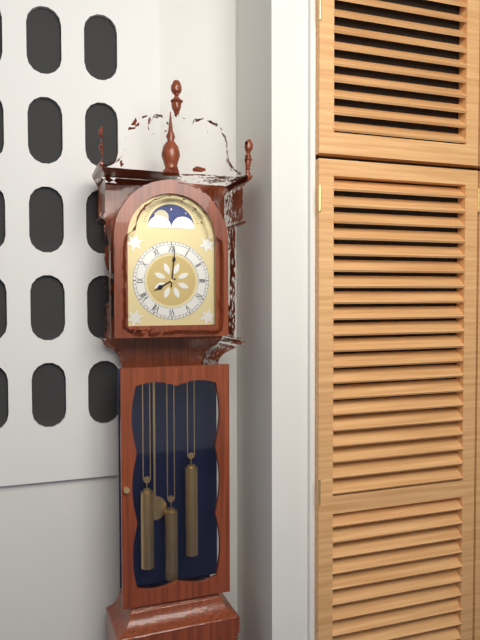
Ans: 8:01
